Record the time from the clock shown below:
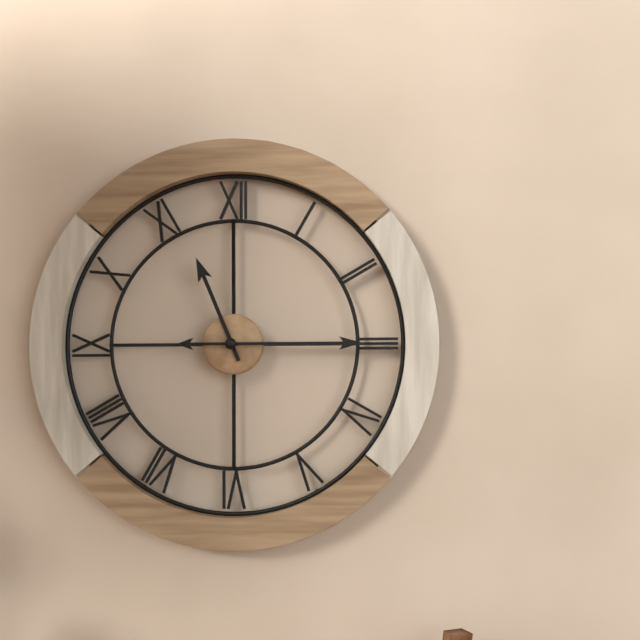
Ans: 11:15
